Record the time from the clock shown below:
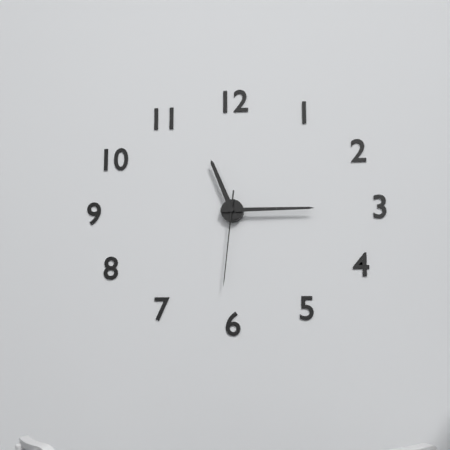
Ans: 11:15:31
